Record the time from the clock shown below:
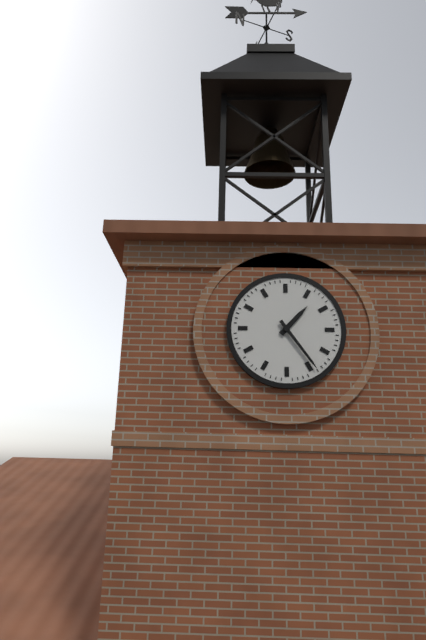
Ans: 1:24
